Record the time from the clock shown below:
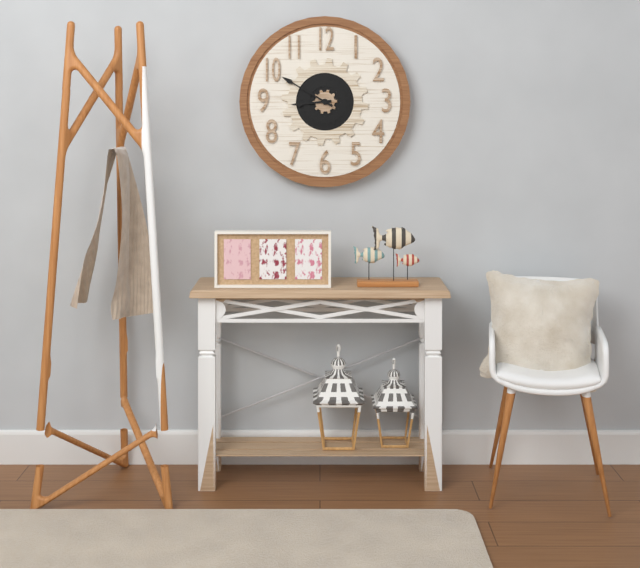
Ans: 8:50
